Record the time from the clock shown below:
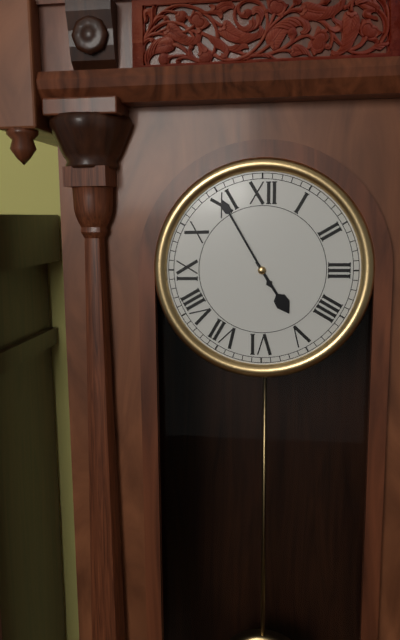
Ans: 4:55
